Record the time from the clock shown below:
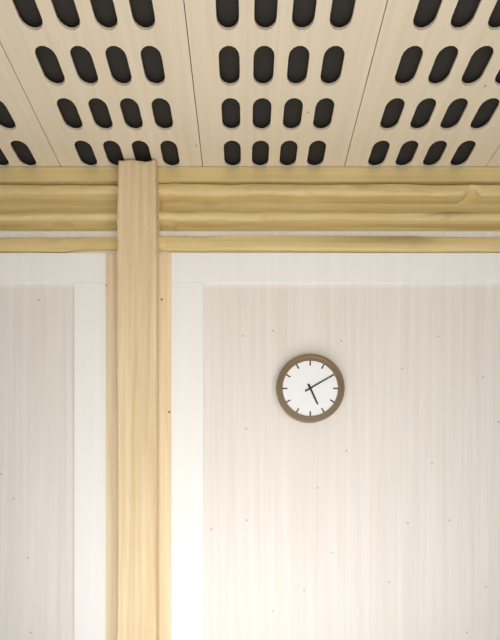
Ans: 5:10
